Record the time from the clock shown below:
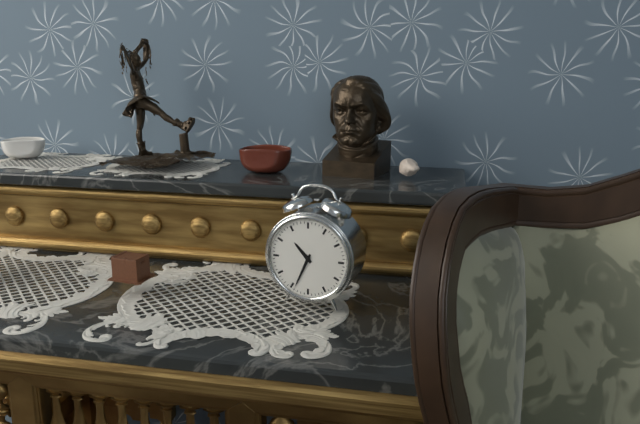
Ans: 10:34
